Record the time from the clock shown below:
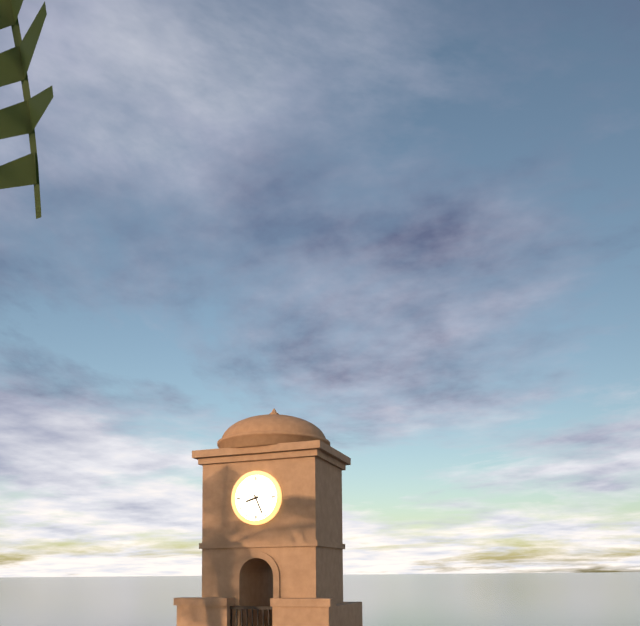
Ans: 8:26
